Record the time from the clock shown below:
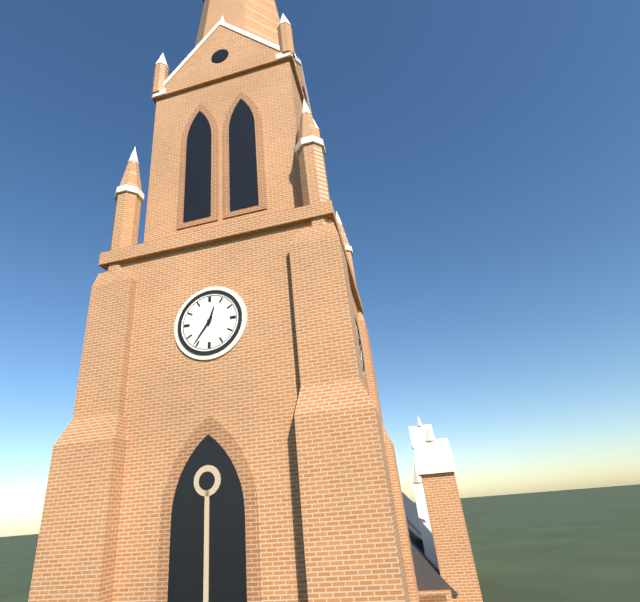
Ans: 12:36
